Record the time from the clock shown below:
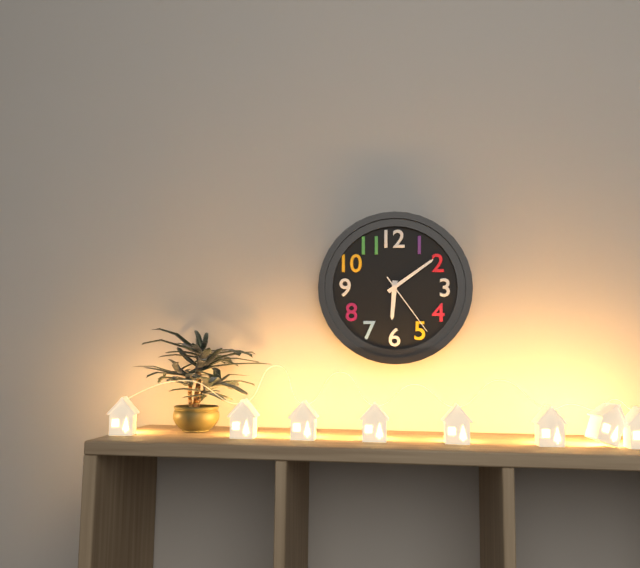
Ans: 6:09:24
